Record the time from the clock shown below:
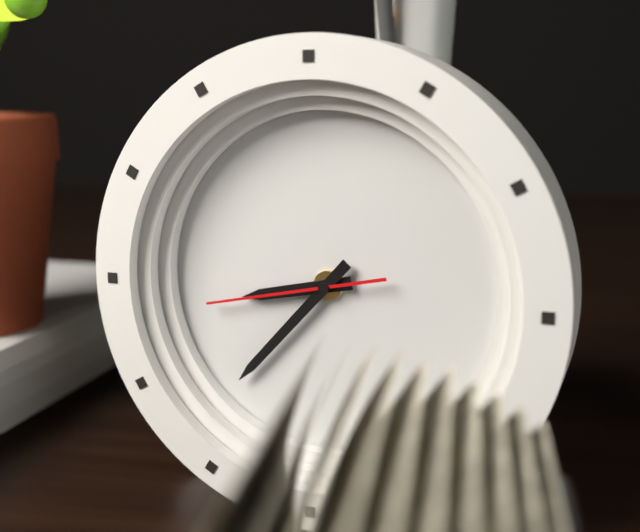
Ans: 8:37:43
